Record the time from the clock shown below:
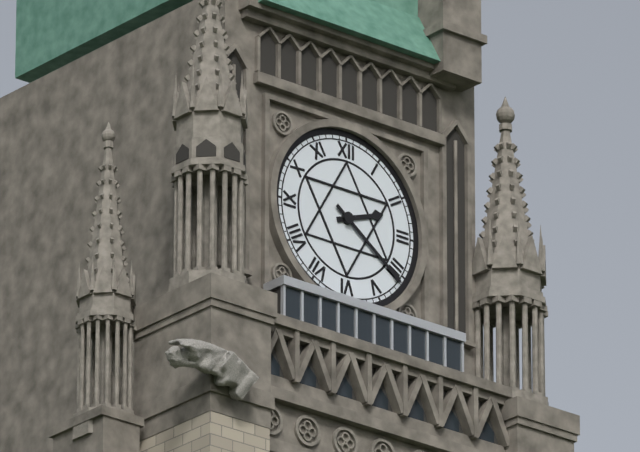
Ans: 2:21
